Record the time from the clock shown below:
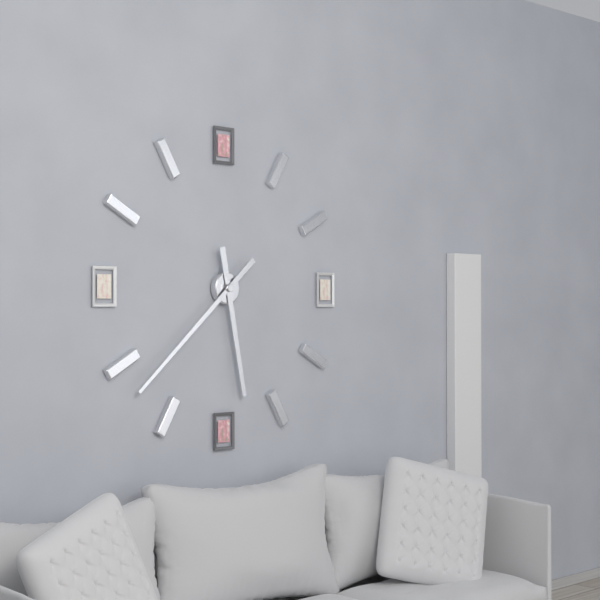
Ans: 5:38
